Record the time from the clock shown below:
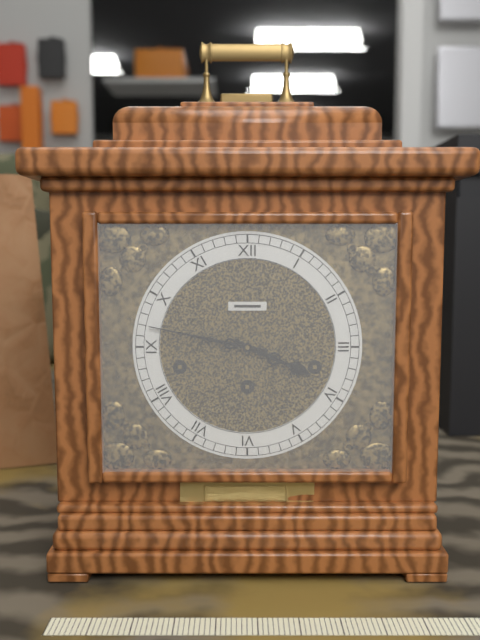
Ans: 3:47
